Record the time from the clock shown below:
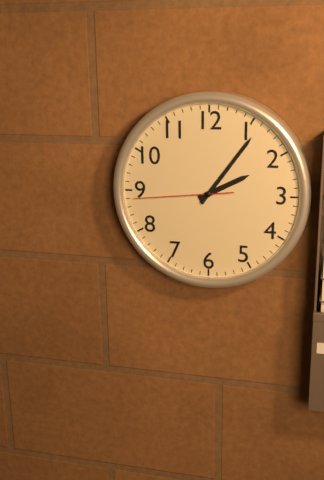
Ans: 2:06:44
